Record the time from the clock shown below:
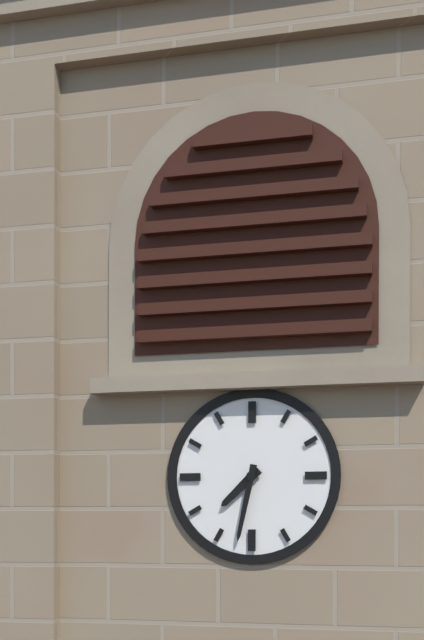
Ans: 7:32
